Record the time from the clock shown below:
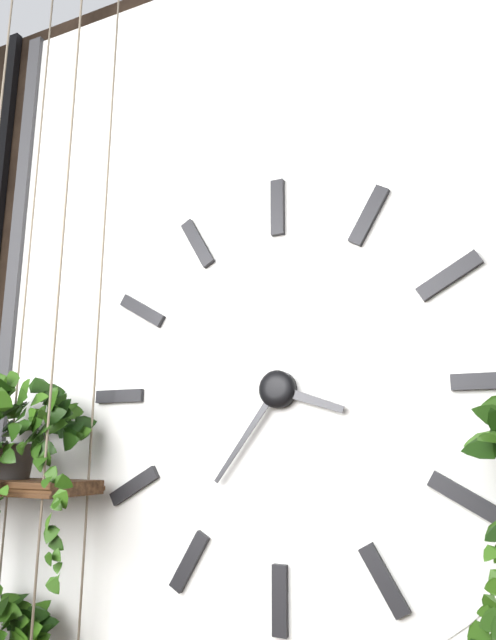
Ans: 3:36
